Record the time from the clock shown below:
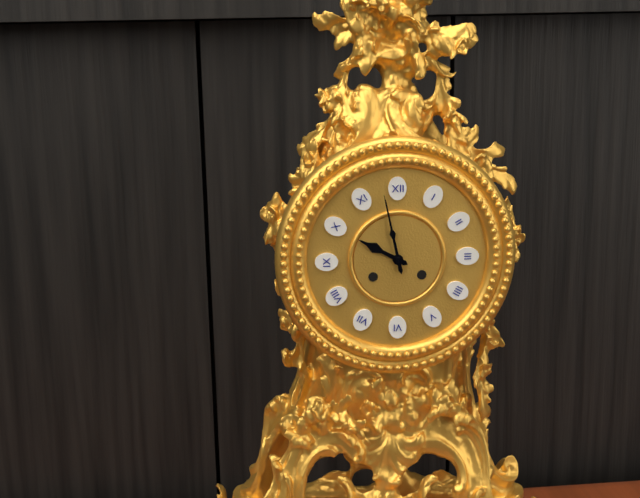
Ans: 9:58
